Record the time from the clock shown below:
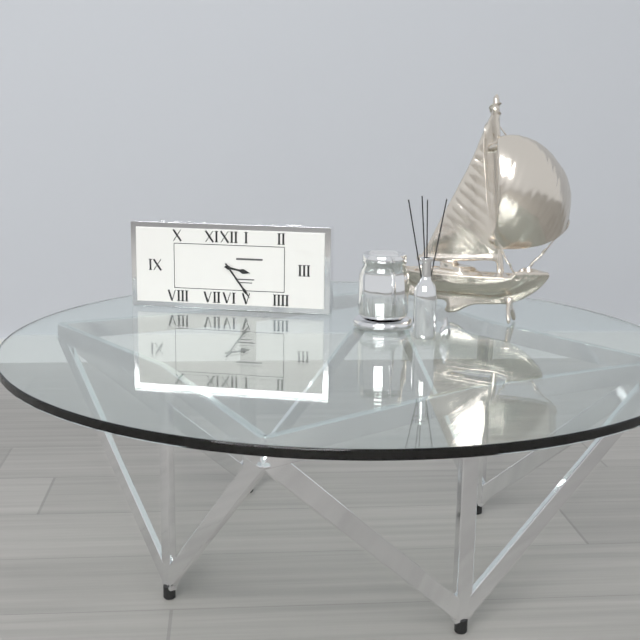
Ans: 3:24
